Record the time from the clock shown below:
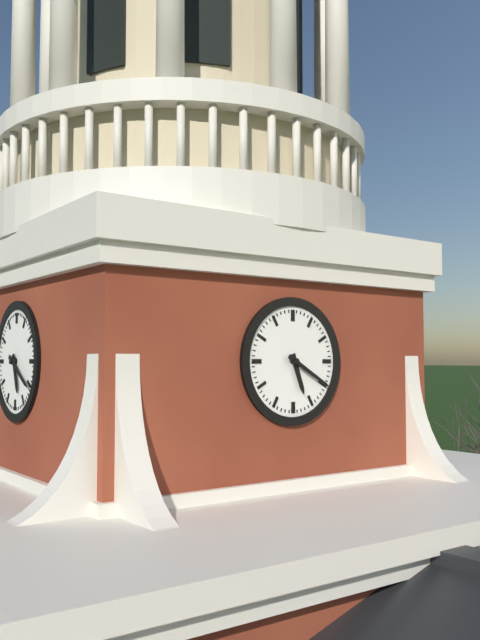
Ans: 5:20
